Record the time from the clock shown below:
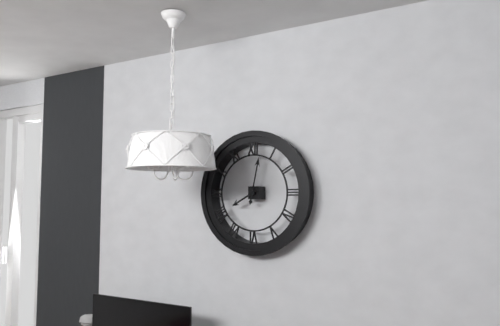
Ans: 8:02
